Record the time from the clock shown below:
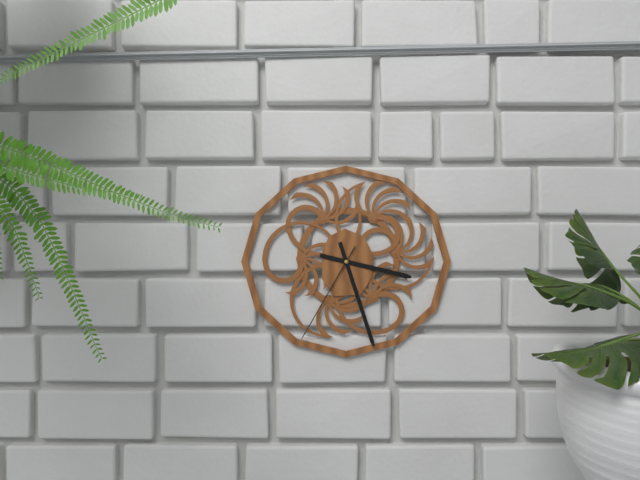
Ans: 3:27:35
